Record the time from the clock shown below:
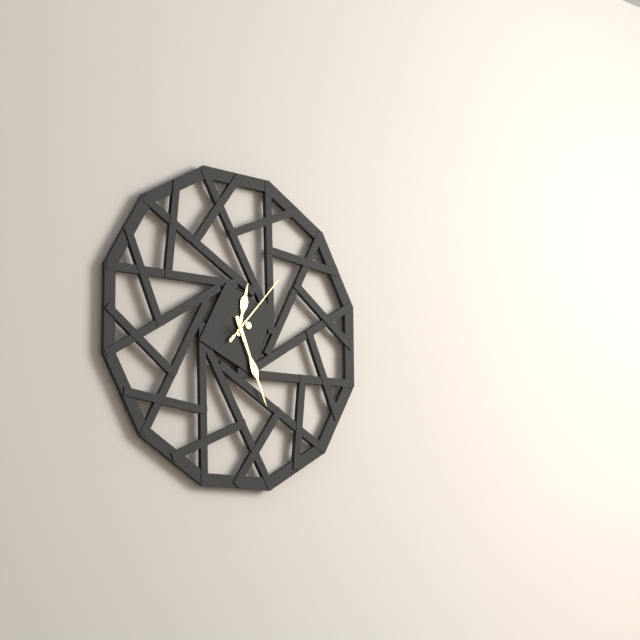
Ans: 12:26:07
